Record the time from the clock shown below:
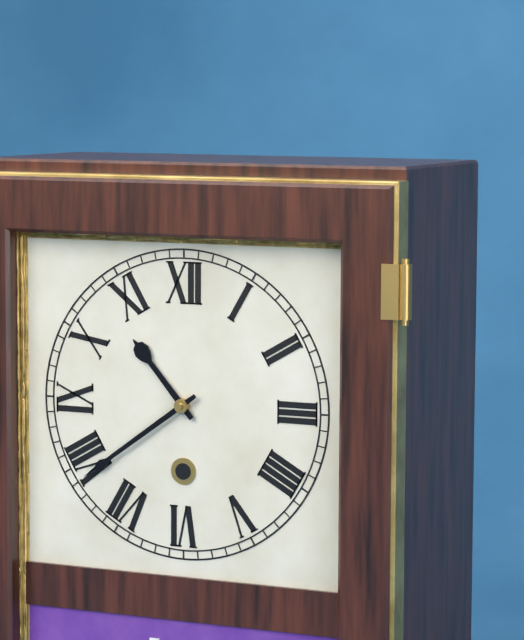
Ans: 10:39
